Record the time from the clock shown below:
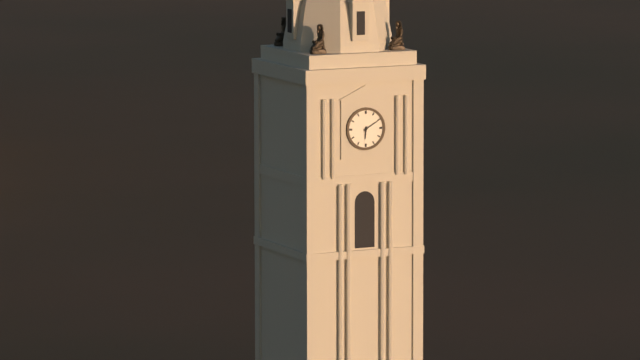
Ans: 6:10
